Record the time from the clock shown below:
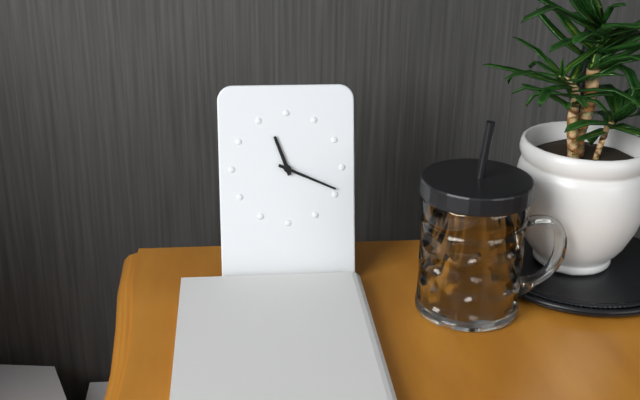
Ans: 11:19
